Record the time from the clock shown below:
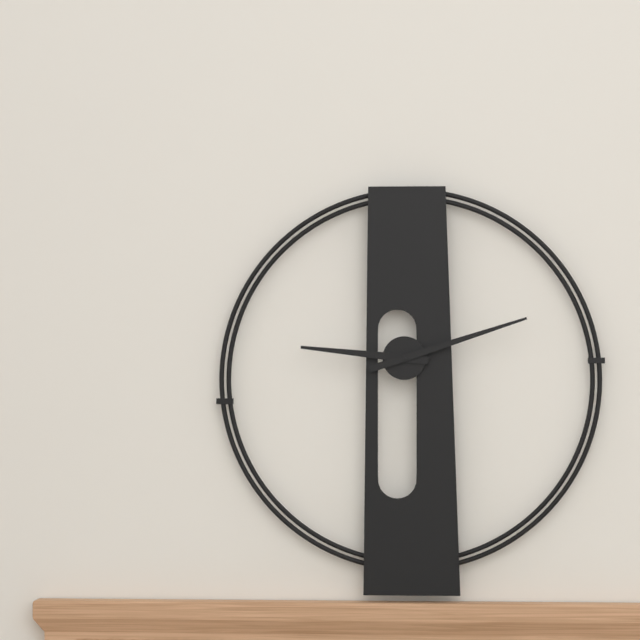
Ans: 9:12
